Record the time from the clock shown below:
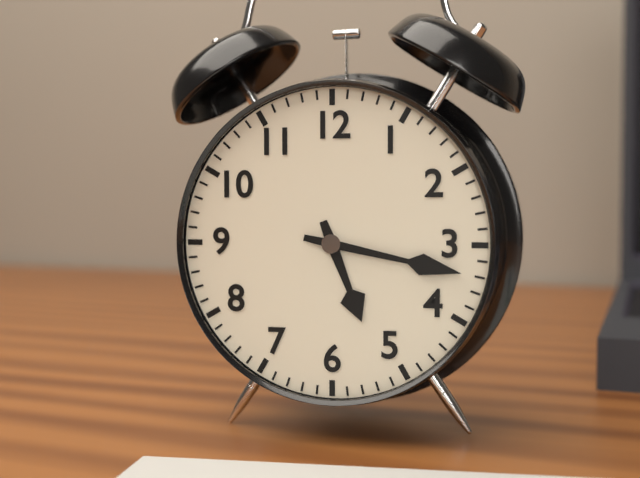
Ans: 5:17
